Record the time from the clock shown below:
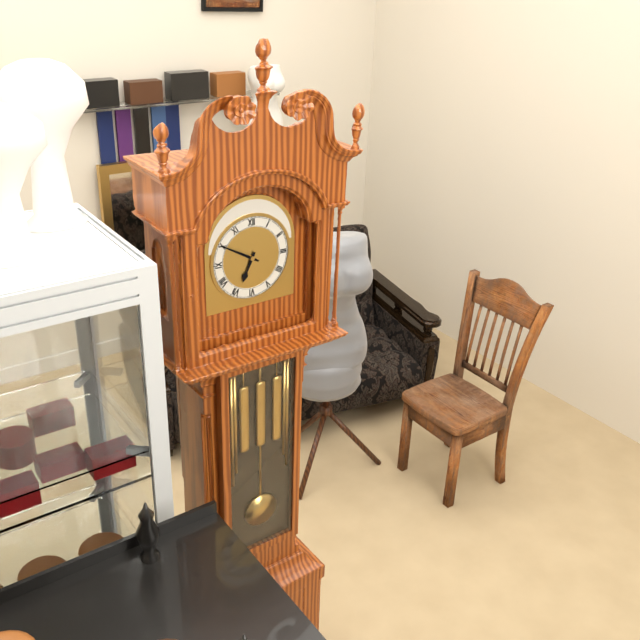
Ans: 6:50
